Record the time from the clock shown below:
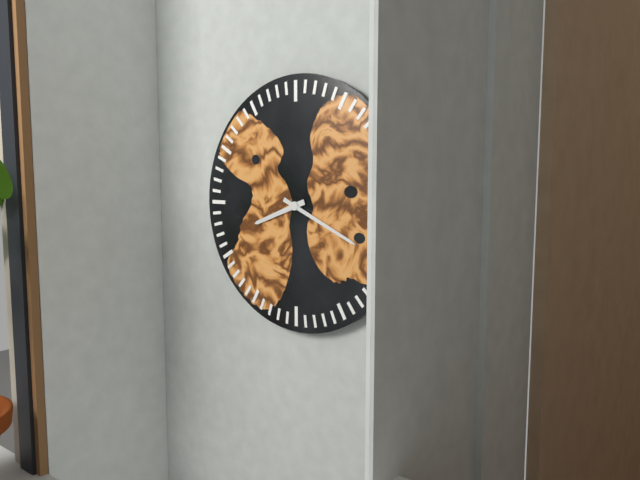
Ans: 8:19
